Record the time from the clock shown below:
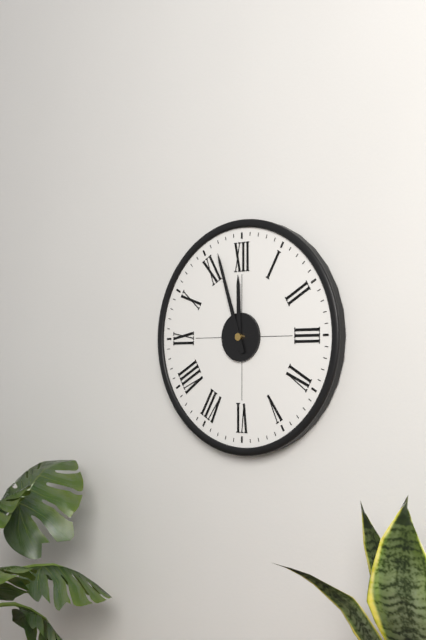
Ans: 11:57
